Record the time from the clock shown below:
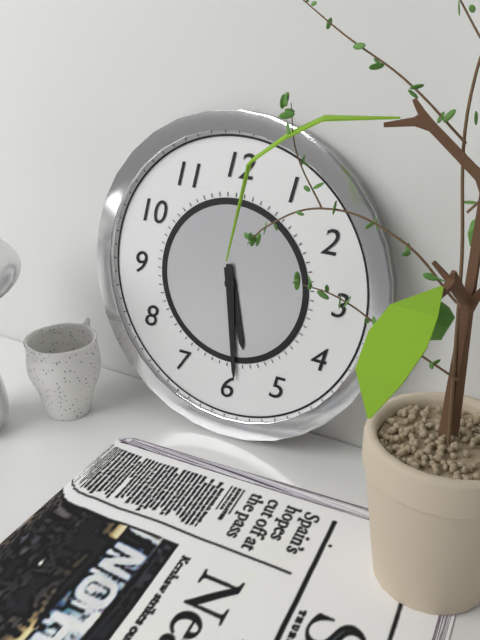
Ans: 5:29
